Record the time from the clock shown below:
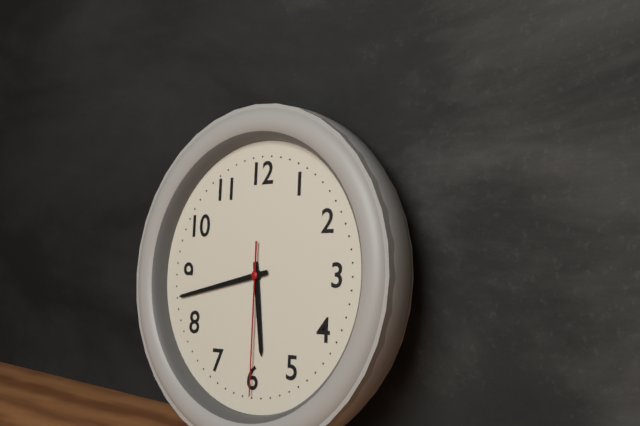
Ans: 5:43:30
